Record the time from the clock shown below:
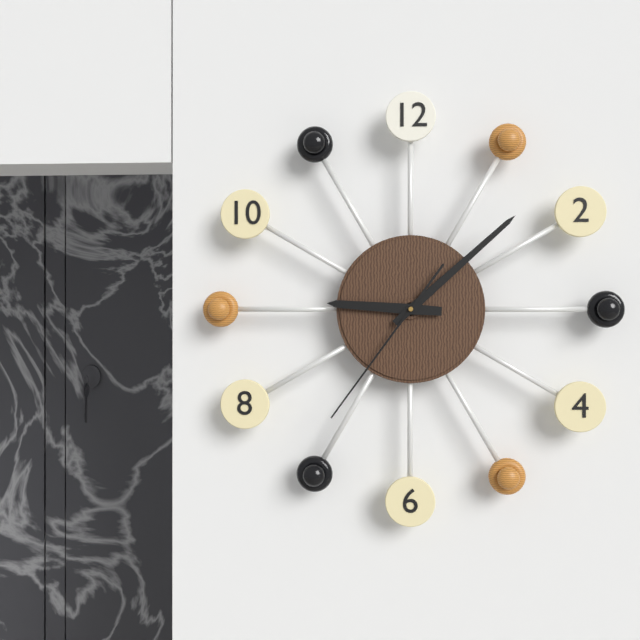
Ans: 9:08:36
